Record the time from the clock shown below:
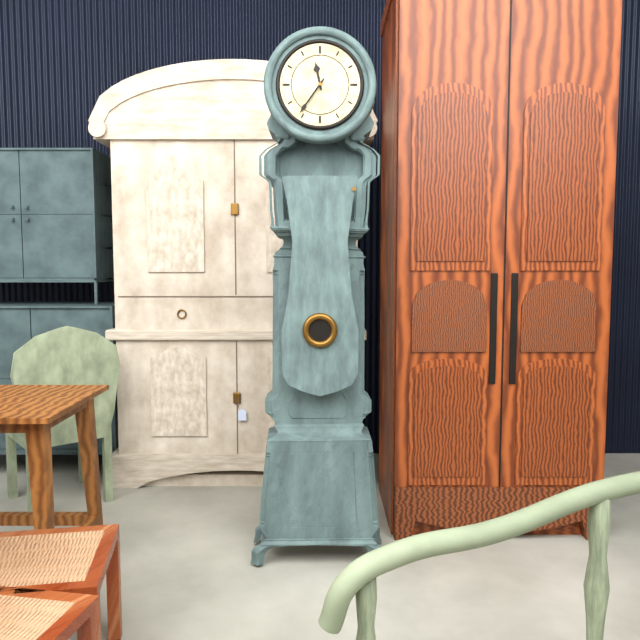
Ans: 11:36
